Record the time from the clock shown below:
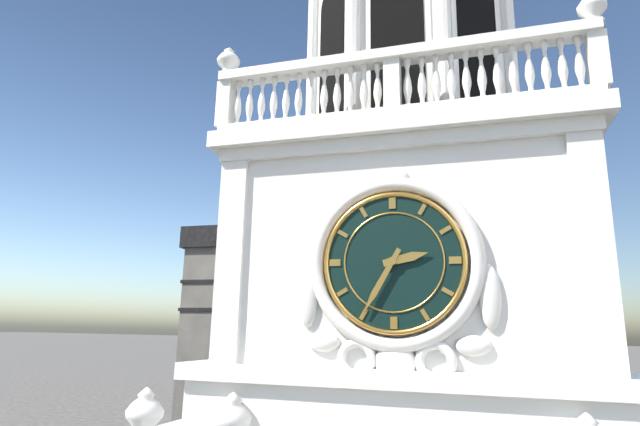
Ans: 2:35
